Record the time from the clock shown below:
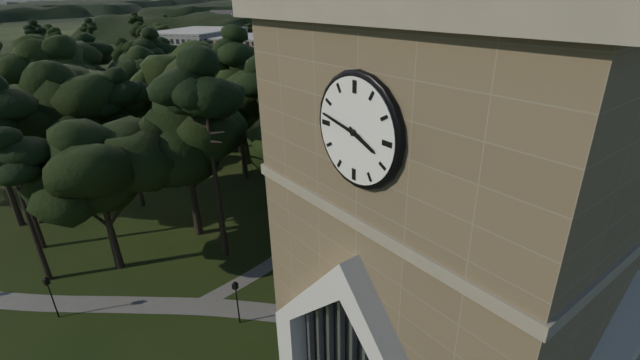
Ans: 3:47
